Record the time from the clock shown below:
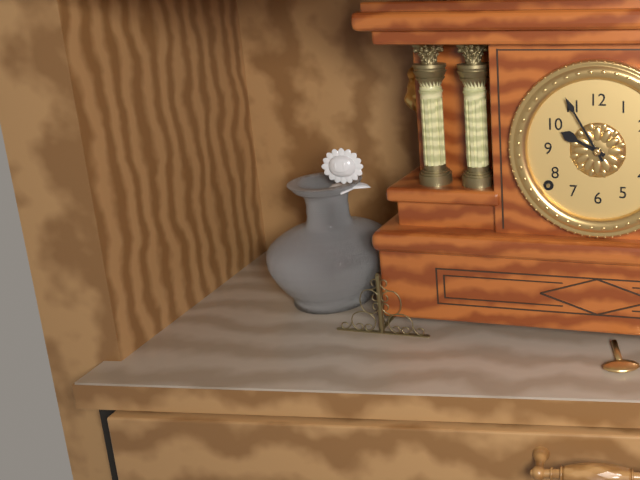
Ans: 9:55
